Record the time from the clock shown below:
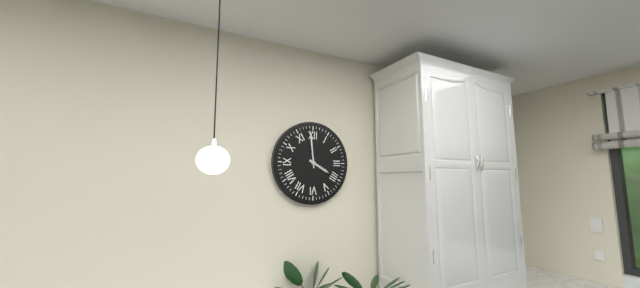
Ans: 3:59
